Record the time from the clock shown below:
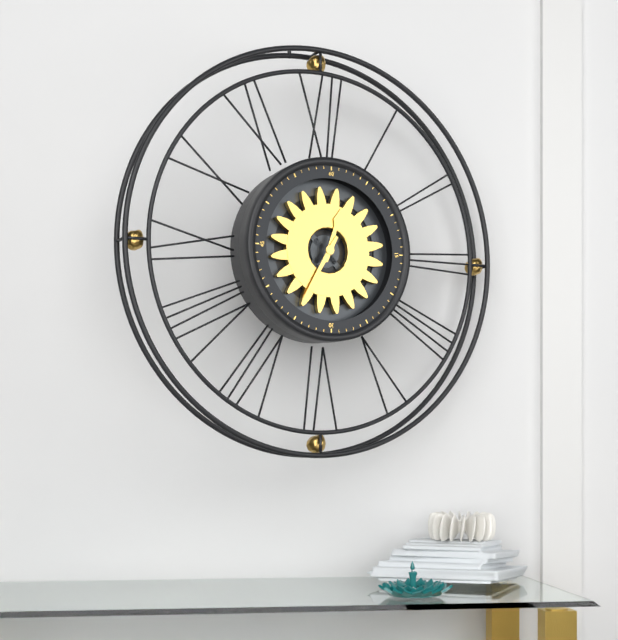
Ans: 12:35
